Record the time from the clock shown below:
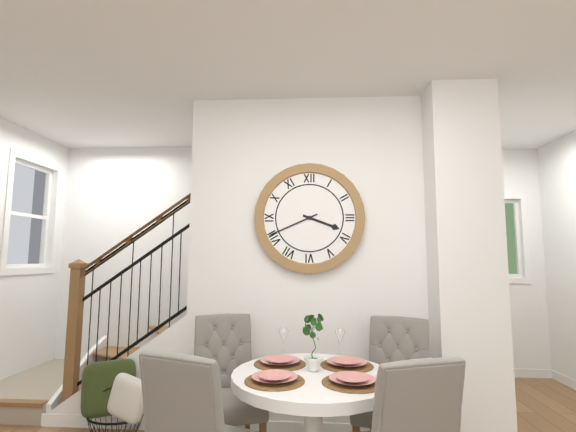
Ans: 3:41
